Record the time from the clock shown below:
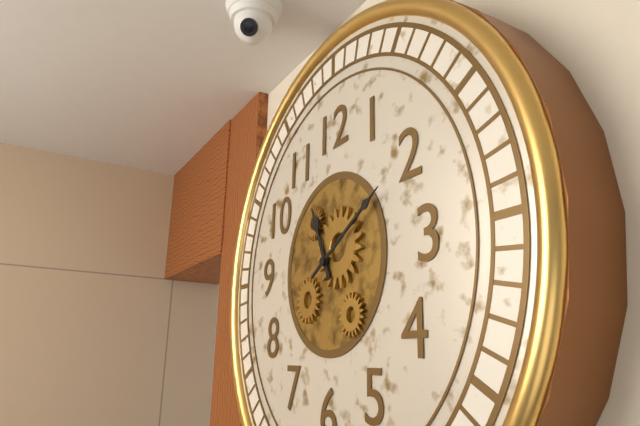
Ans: 11:10
